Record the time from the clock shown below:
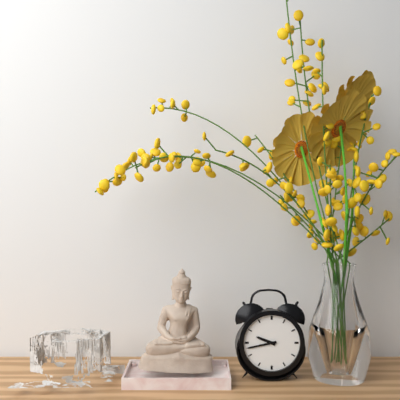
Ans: 9:43
